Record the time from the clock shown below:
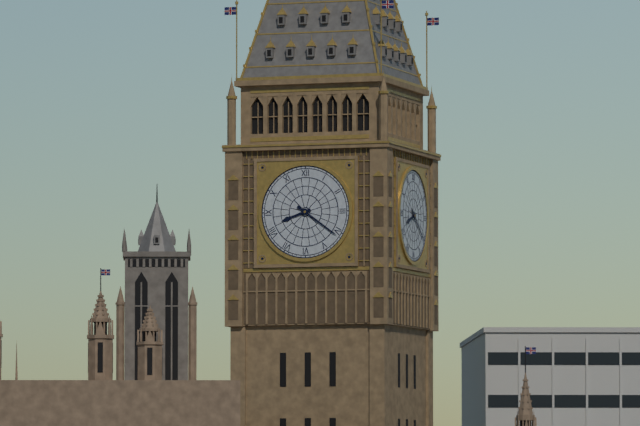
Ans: 8:21
